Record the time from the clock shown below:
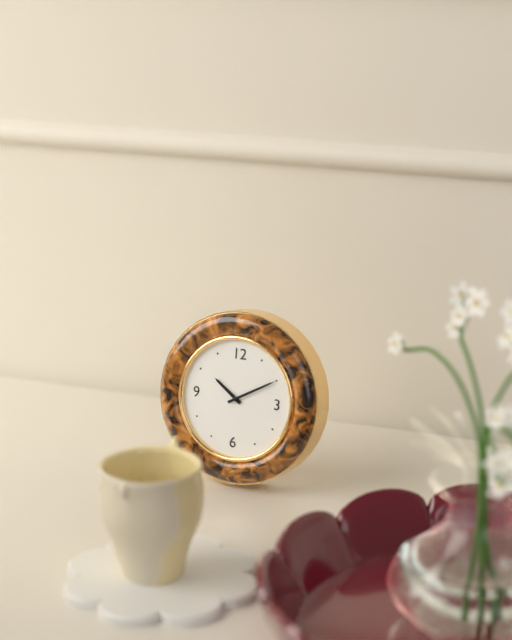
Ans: 10:10
